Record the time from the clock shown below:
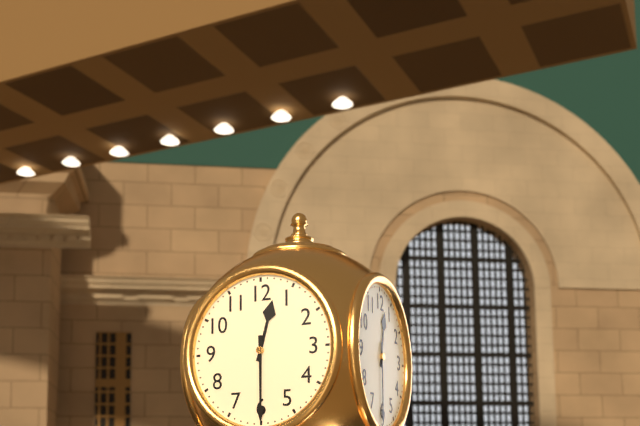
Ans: 12:30
